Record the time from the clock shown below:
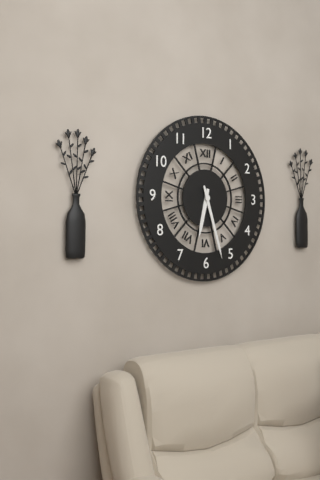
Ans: 6:27
